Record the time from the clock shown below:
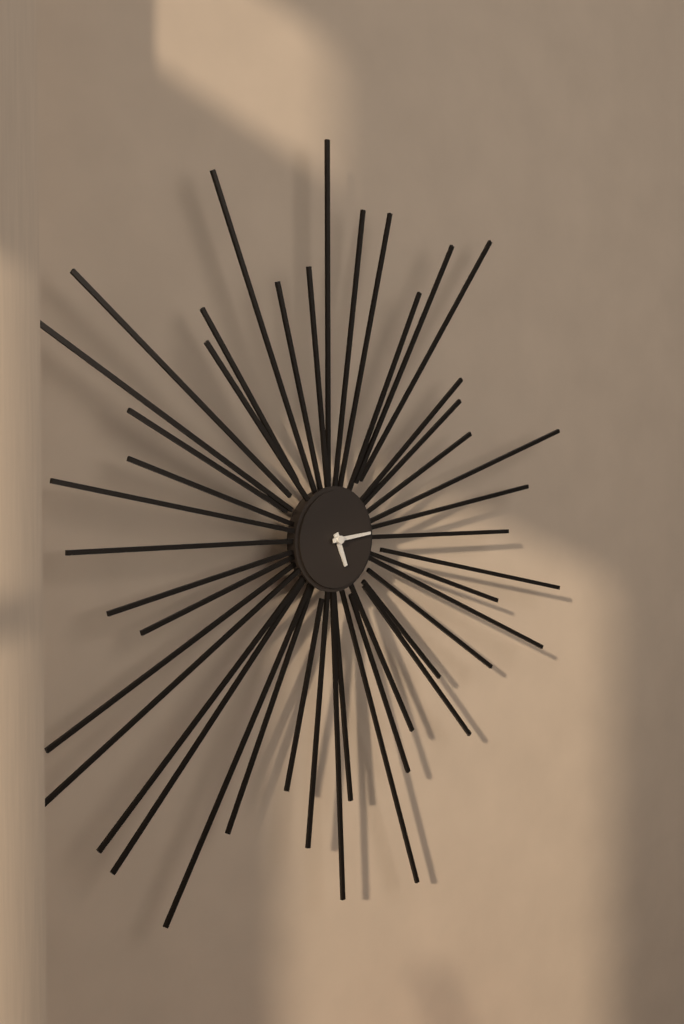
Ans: 5:14
